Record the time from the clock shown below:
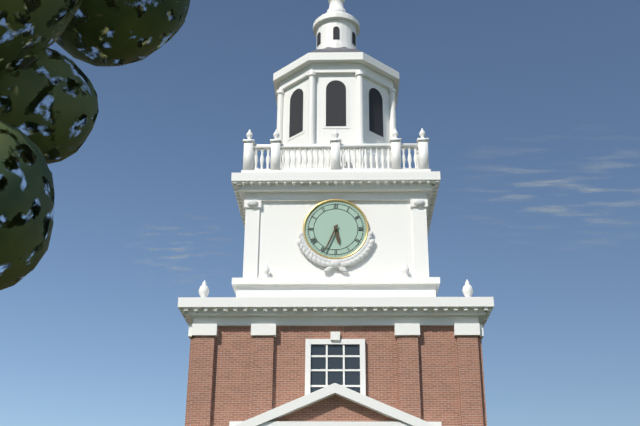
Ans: 5:34
